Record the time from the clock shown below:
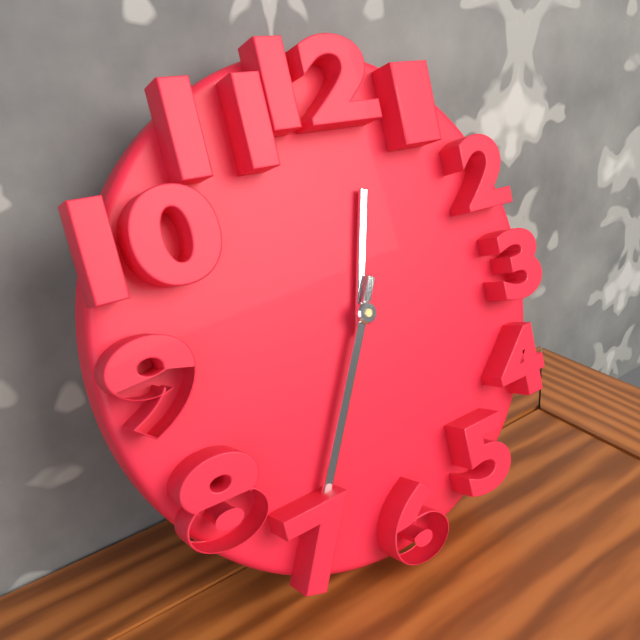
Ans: 12:35
